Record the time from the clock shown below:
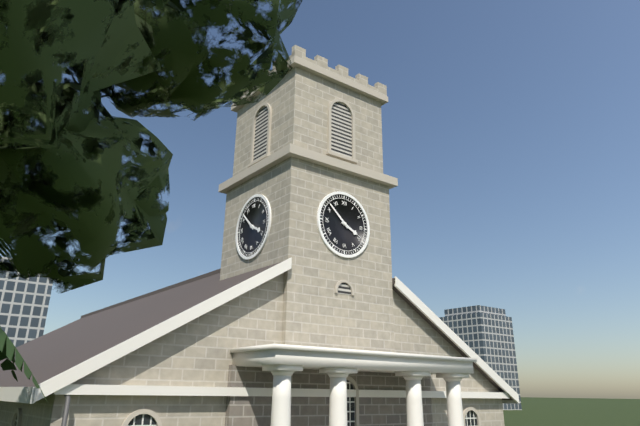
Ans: 3:52
